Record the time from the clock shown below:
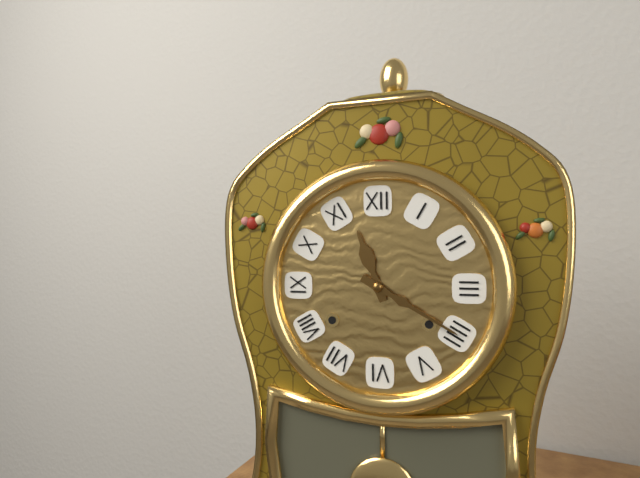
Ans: 11:20
